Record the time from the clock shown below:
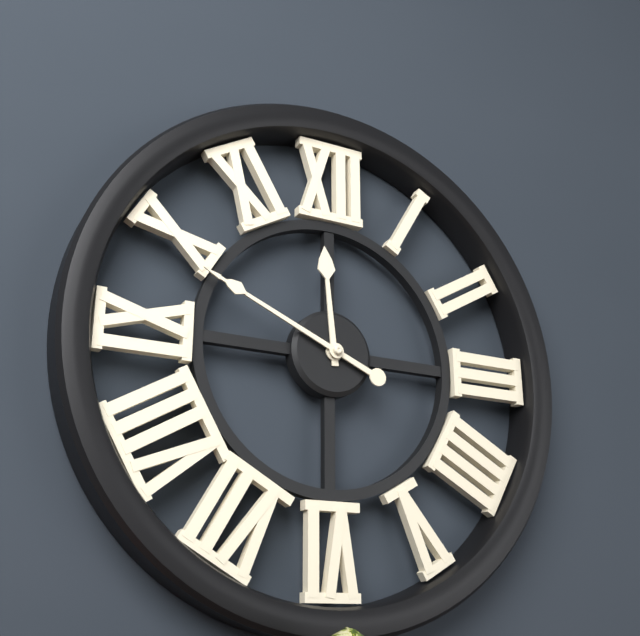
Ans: 11:49
